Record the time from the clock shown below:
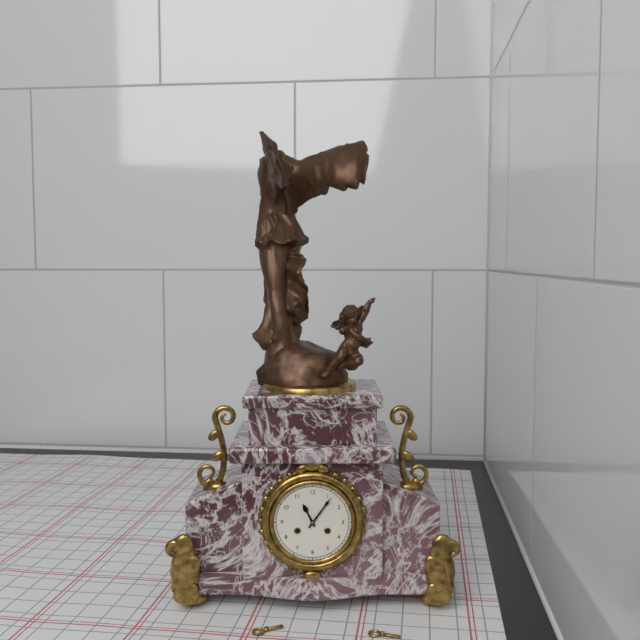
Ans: 11:06
